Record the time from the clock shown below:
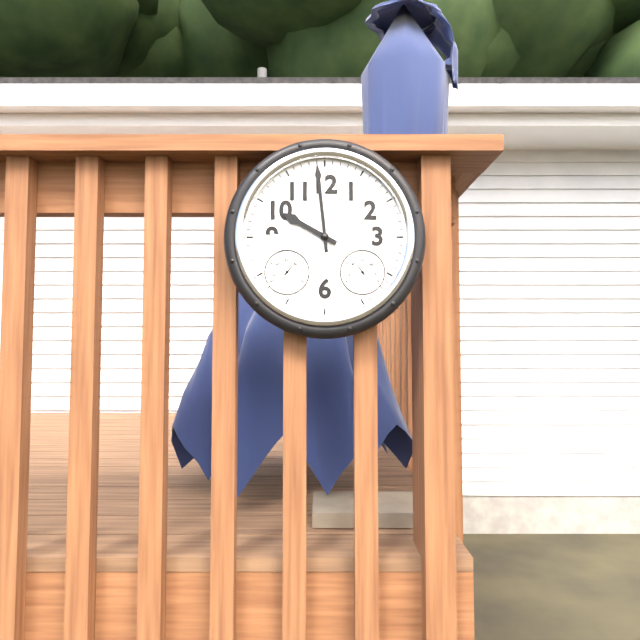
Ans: 9:59
